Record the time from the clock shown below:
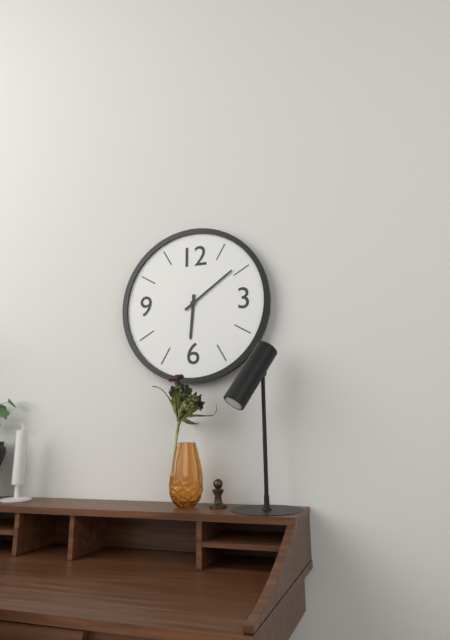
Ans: 6:09
